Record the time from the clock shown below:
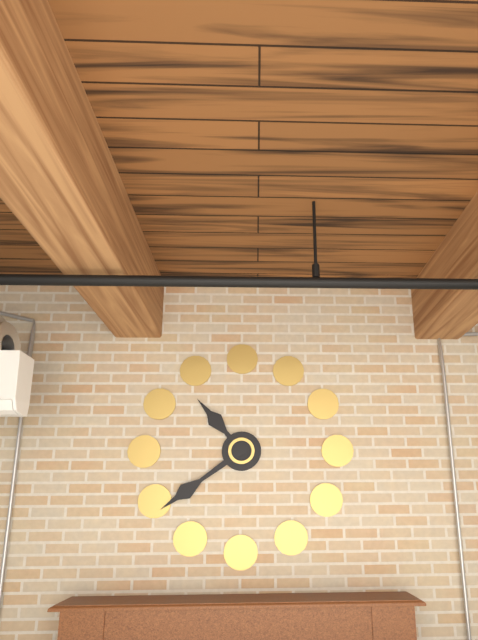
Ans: 10:39
